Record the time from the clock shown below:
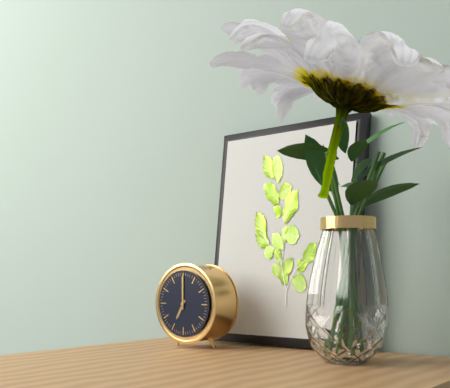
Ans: 7:00
